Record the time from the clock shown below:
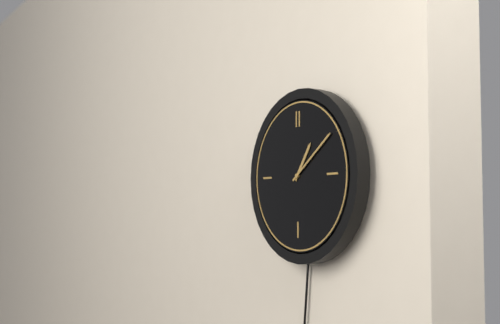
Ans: 1:09
